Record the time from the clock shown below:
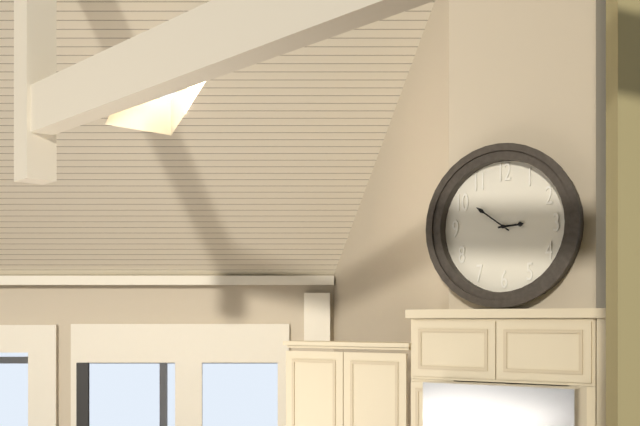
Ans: 2:51
